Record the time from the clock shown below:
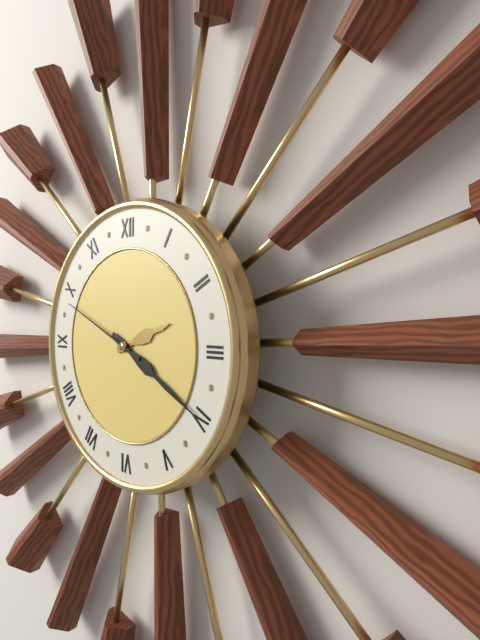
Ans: 2:20:49
